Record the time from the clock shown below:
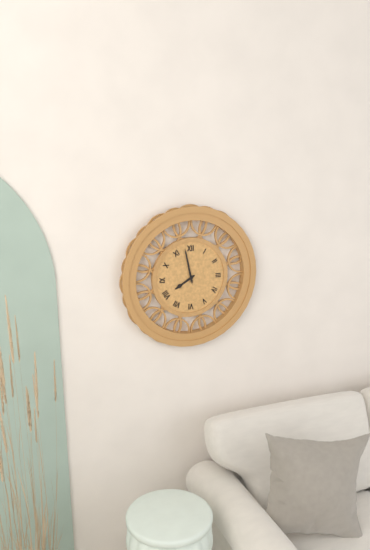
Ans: 7:58
